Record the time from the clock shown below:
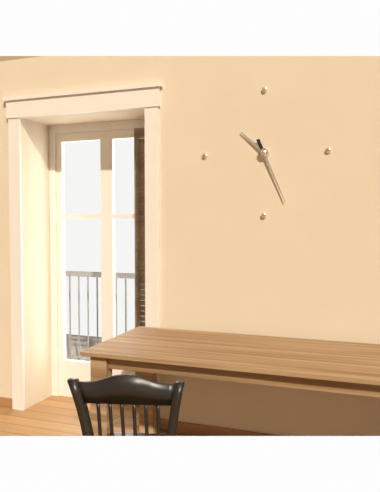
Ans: 10:26
